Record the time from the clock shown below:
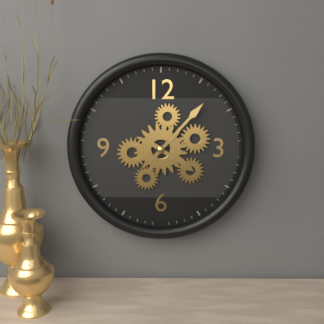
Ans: 4:07
